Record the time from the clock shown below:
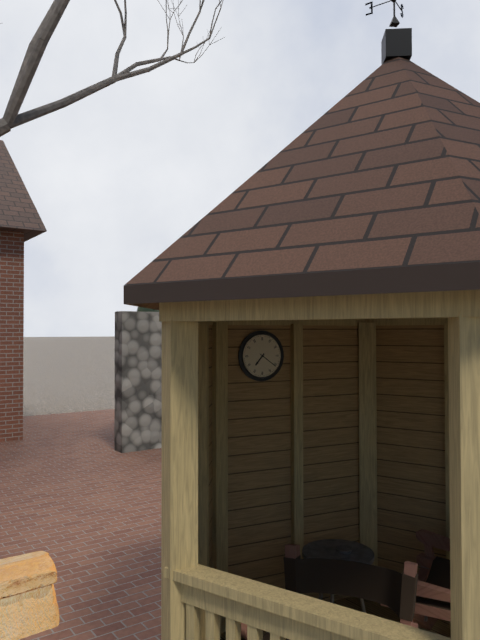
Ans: 7:21
